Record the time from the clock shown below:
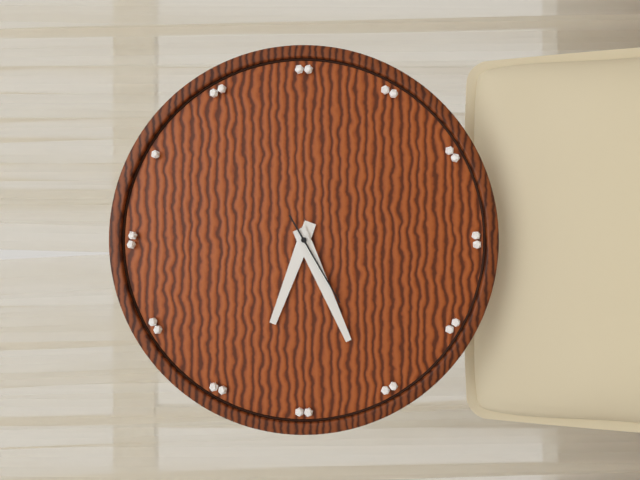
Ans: 9:41:40
